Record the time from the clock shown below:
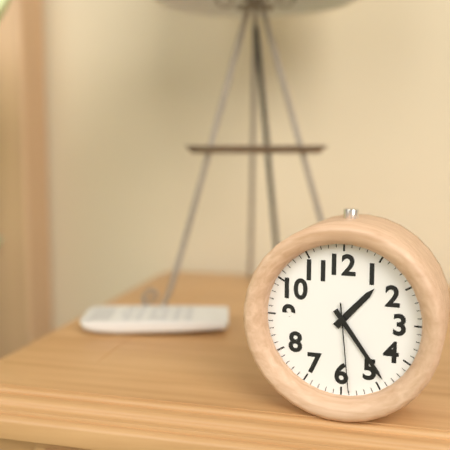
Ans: 1:24:29
